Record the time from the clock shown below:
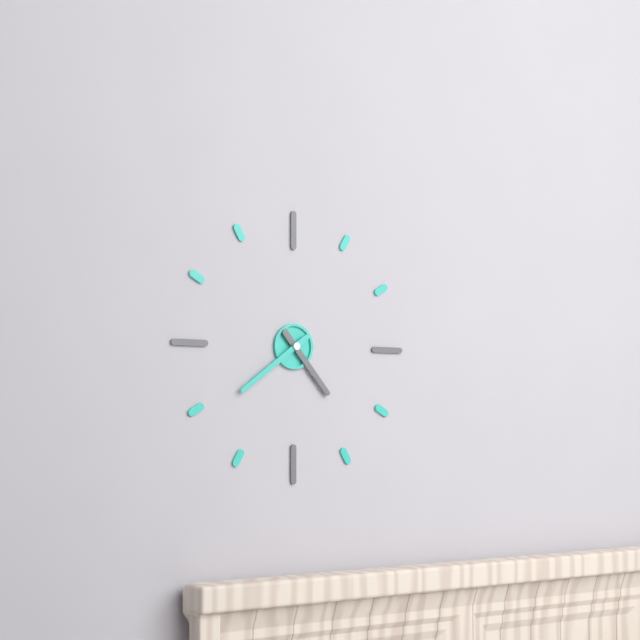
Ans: 4:39
